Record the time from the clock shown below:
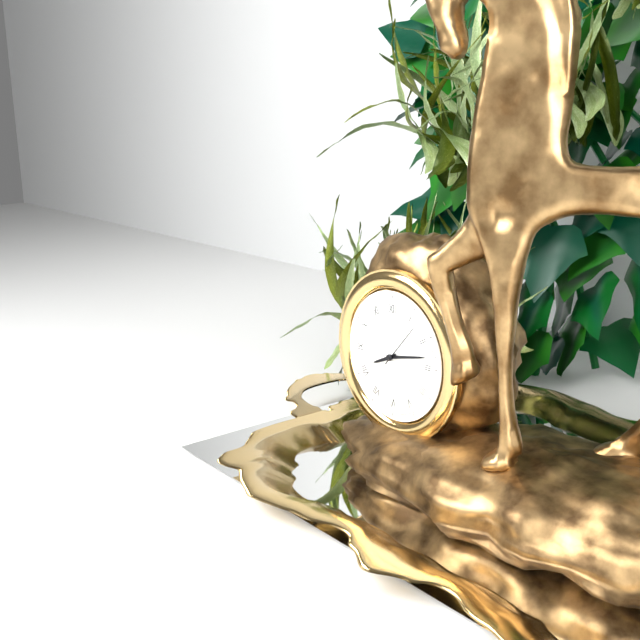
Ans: 8:13:07
